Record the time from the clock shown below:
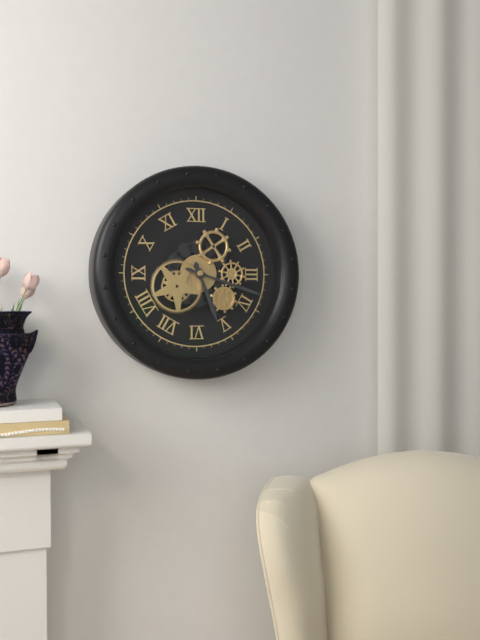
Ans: 5:18
